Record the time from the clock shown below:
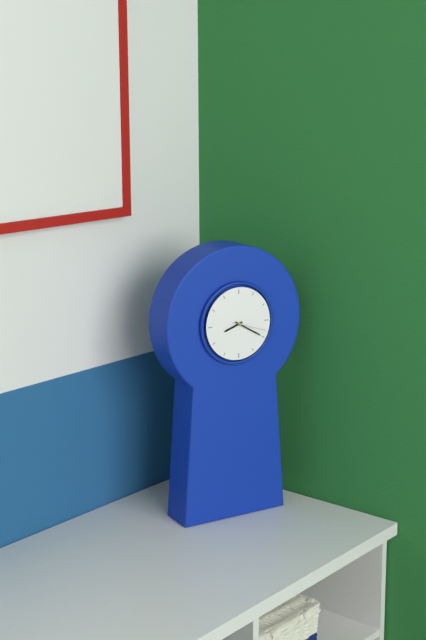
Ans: 8:20
